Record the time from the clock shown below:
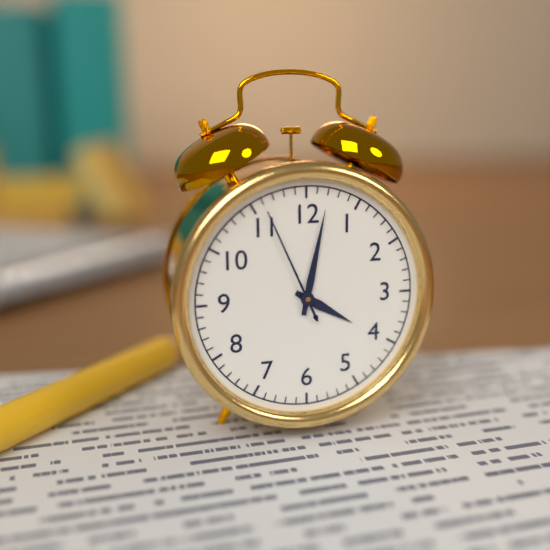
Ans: 4:02:56
